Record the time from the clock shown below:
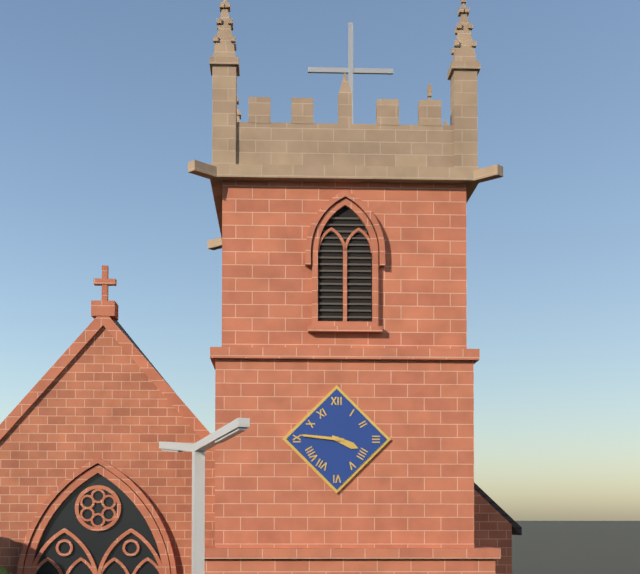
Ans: 3:46
